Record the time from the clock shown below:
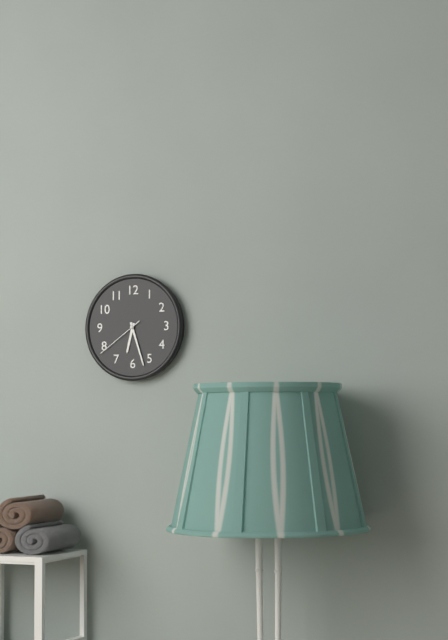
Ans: 6:27:39
